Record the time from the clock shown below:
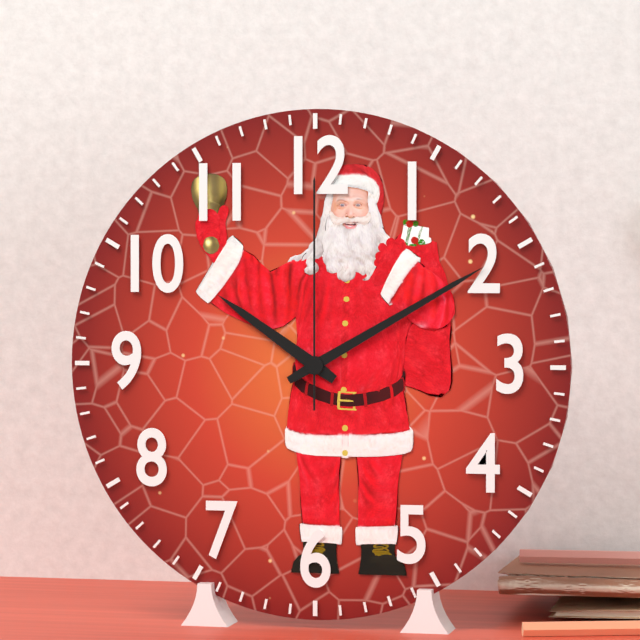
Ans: 10:10:00
